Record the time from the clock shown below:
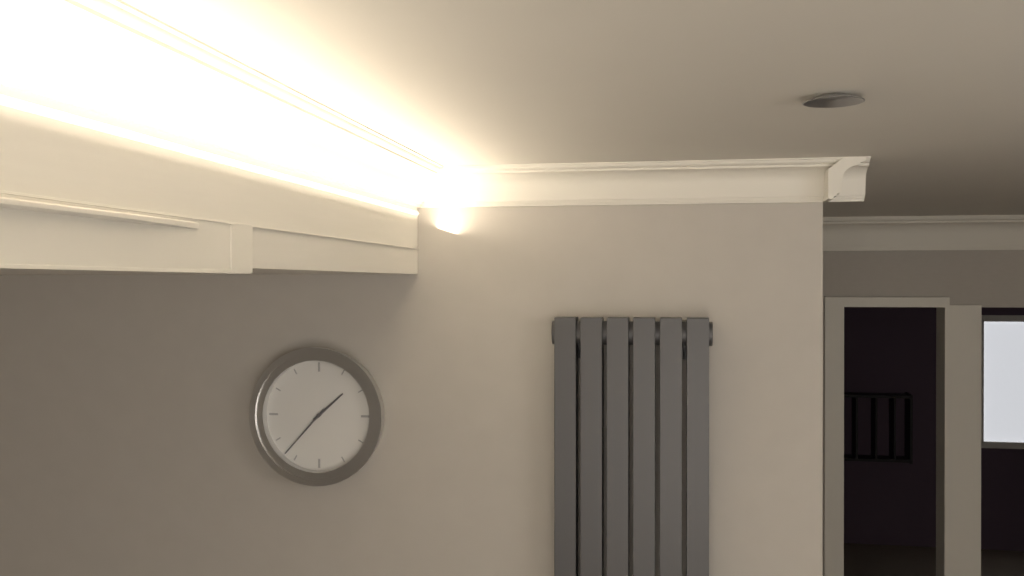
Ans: 1:37
